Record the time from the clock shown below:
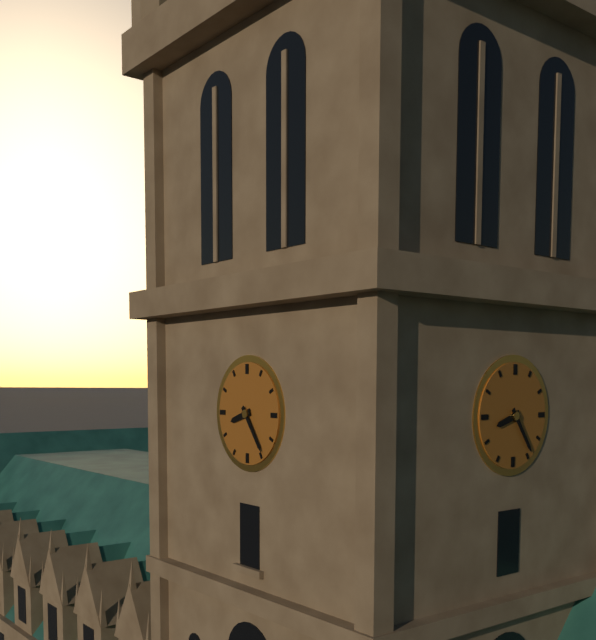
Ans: 8:24
